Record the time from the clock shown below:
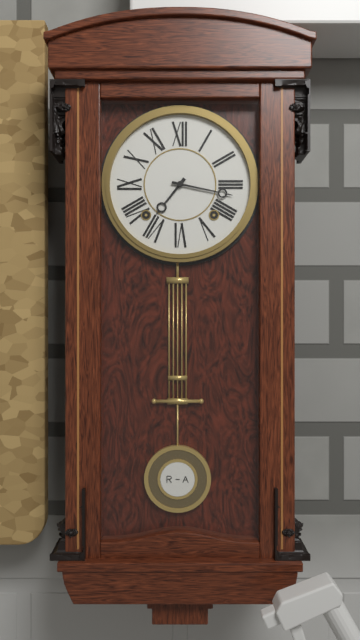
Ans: 7:17
